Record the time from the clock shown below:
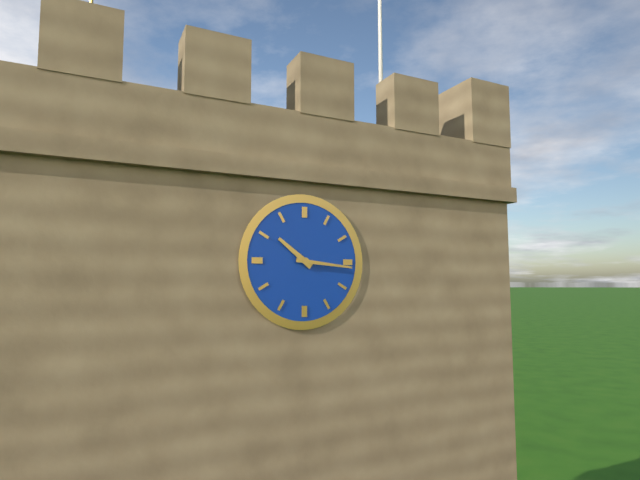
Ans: 10:16
